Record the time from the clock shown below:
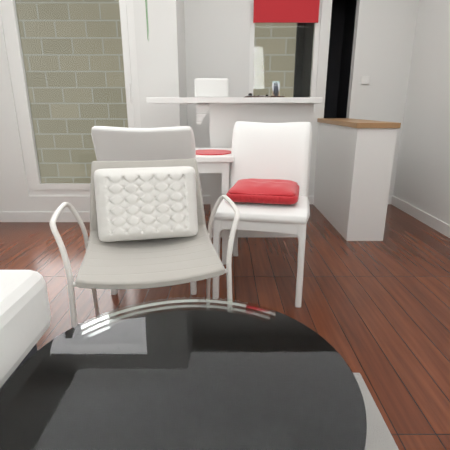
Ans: 1:11
